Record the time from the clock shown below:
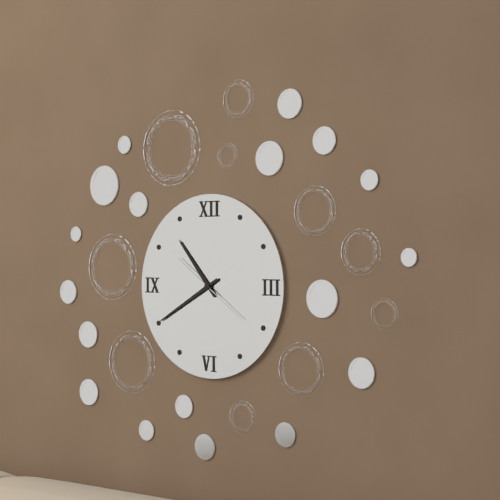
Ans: 10:40:21
